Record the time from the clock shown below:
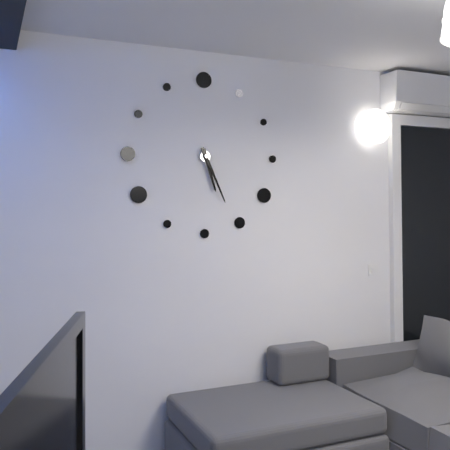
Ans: 5:26
